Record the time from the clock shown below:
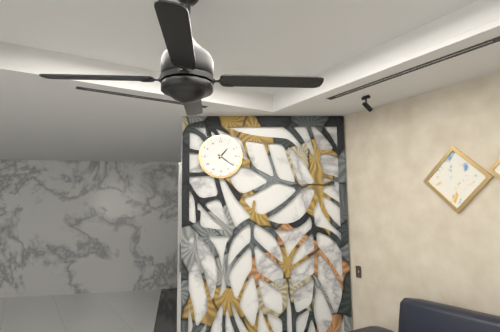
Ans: 1:21
